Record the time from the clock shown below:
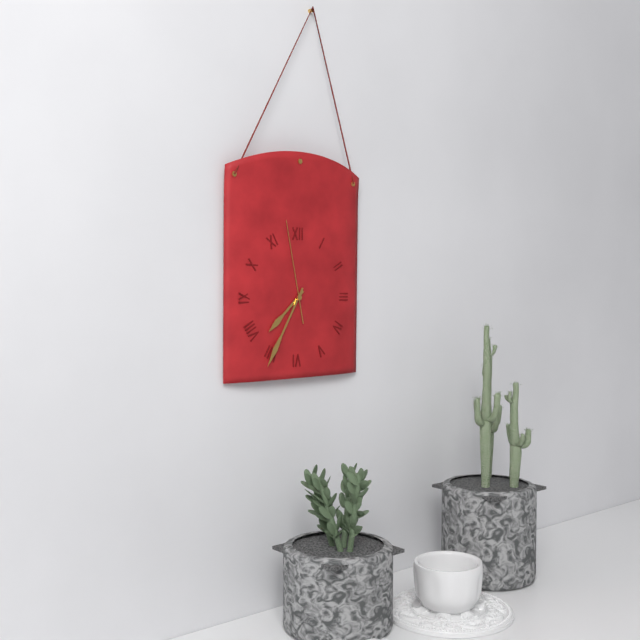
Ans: 7:35:58
